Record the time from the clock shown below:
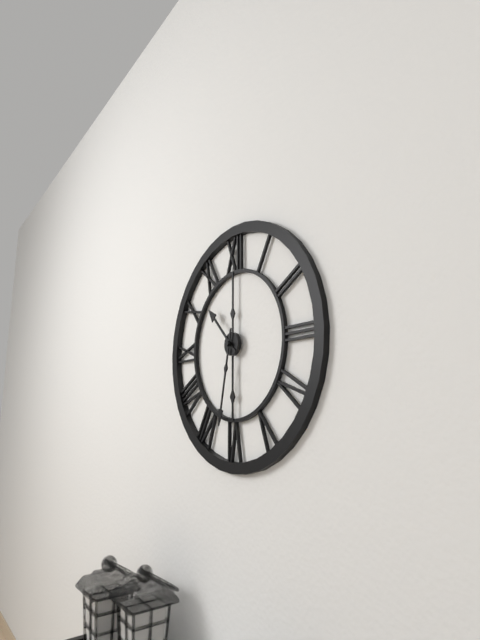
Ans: 10:32
